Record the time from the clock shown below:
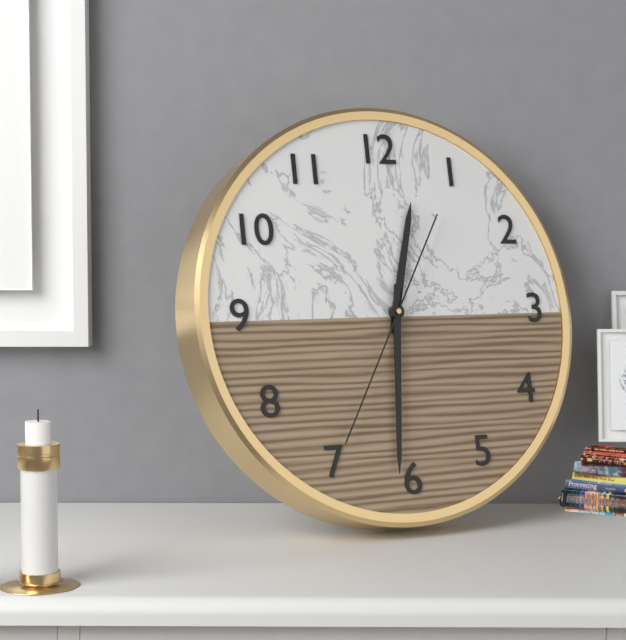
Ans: 12:31:35
